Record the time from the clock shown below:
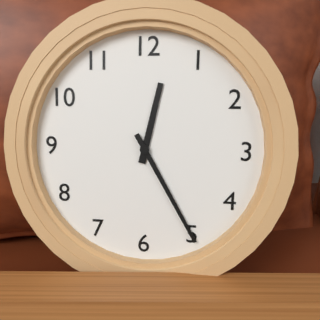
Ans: 12:25
